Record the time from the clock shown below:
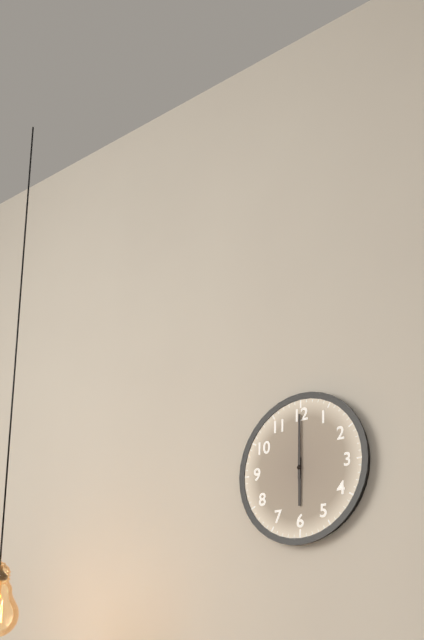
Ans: 6:00
